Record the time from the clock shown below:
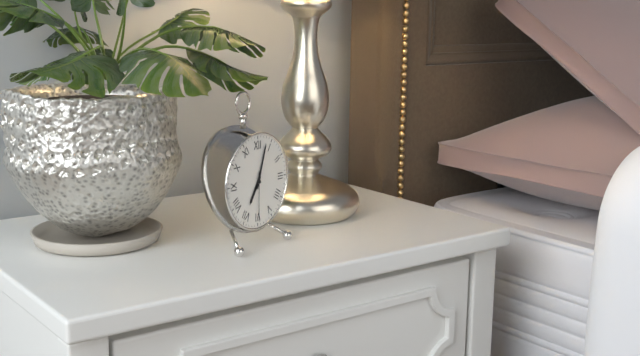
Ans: 7:03:30
